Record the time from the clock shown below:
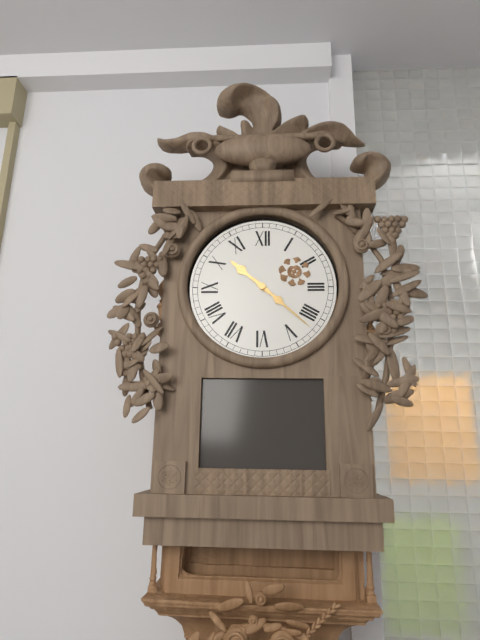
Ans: 10:22
